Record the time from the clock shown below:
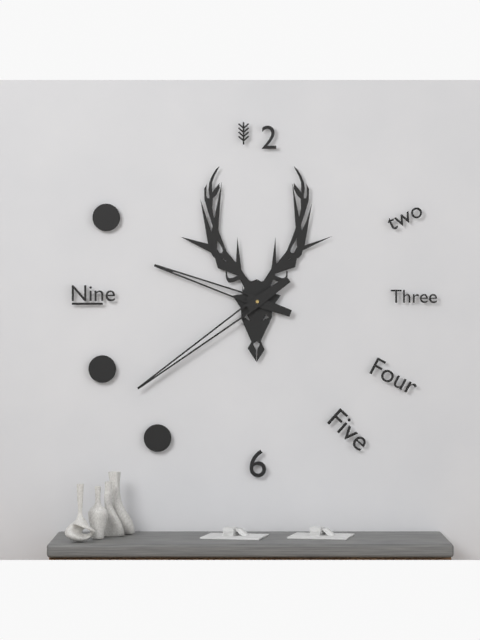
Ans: 9:39
